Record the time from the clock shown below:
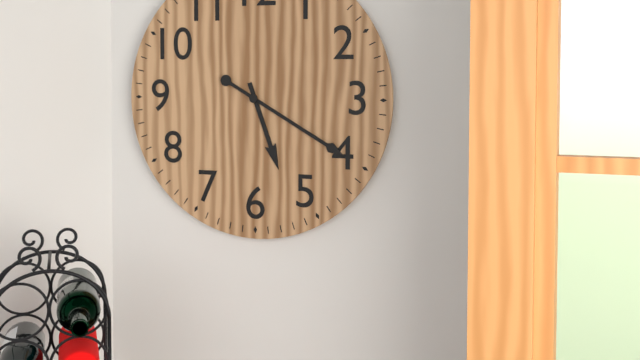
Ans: 5:20
